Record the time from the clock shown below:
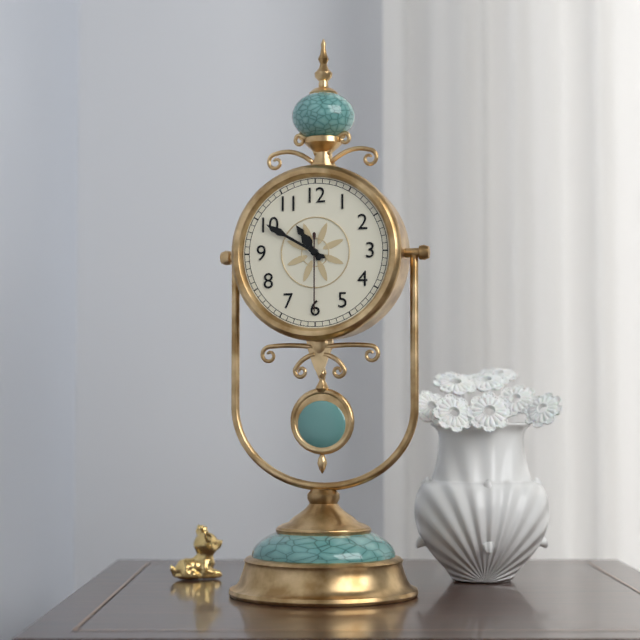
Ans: 10:50:30
